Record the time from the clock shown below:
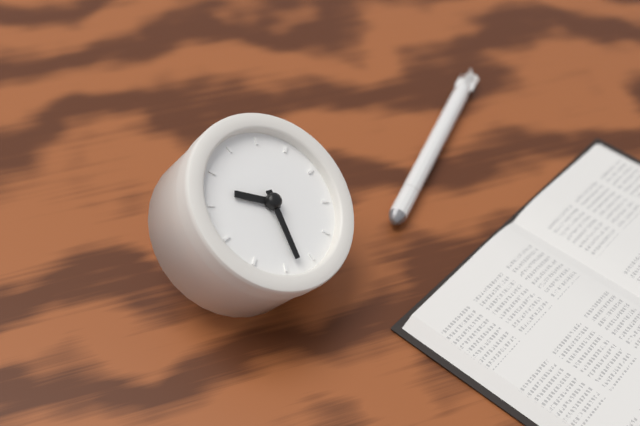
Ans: 9:28
